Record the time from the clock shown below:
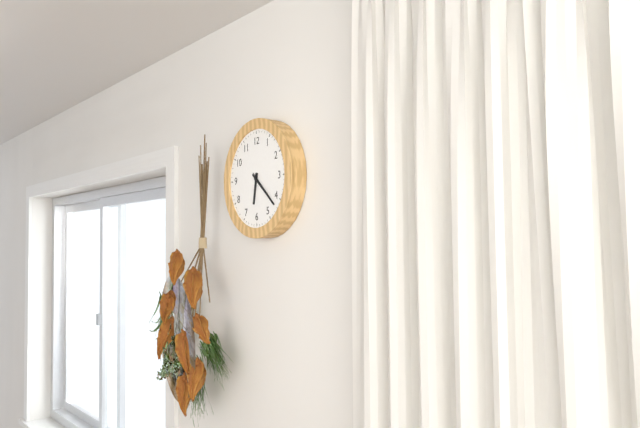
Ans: 6:22
